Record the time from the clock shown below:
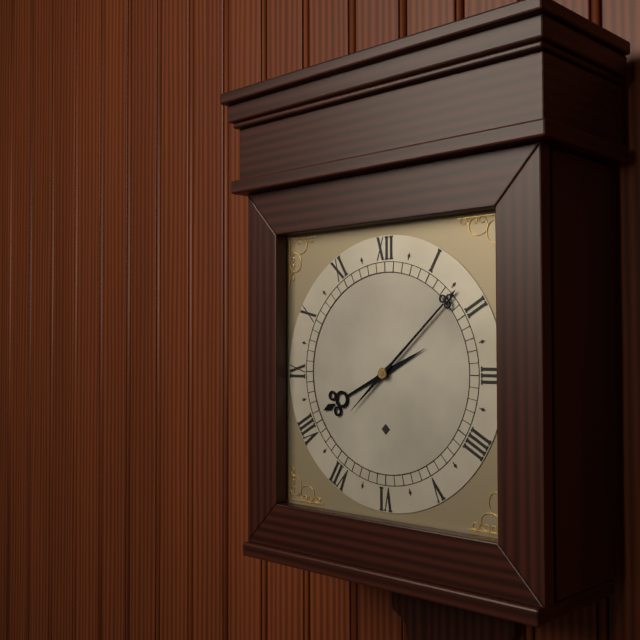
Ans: 8:08
